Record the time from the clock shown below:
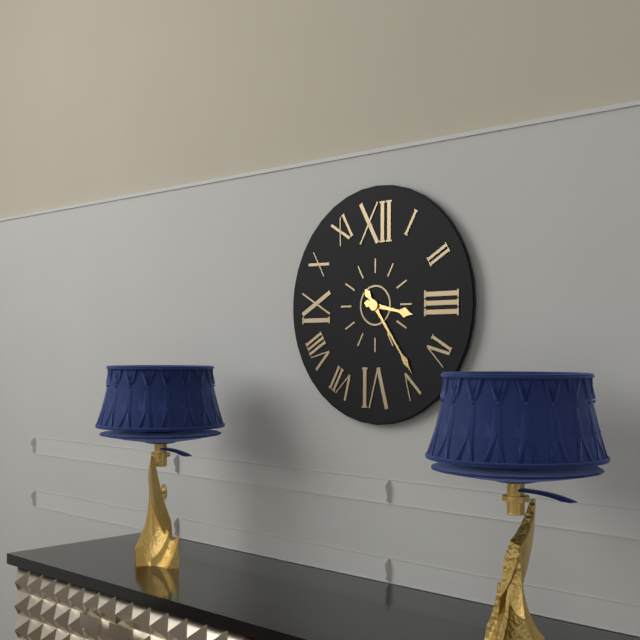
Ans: 3:24
